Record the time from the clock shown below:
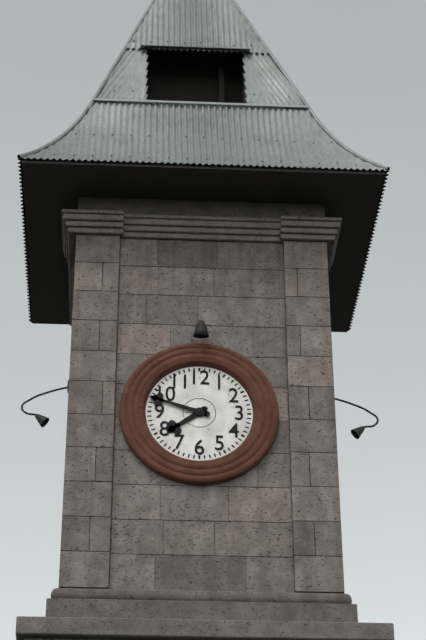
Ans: 7:48
